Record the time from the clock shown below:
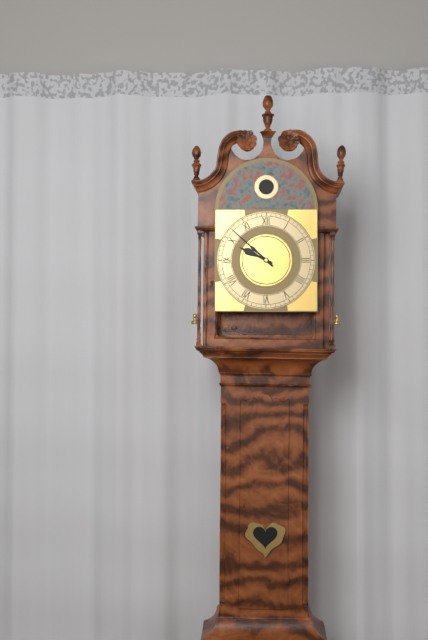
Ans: 9:52
